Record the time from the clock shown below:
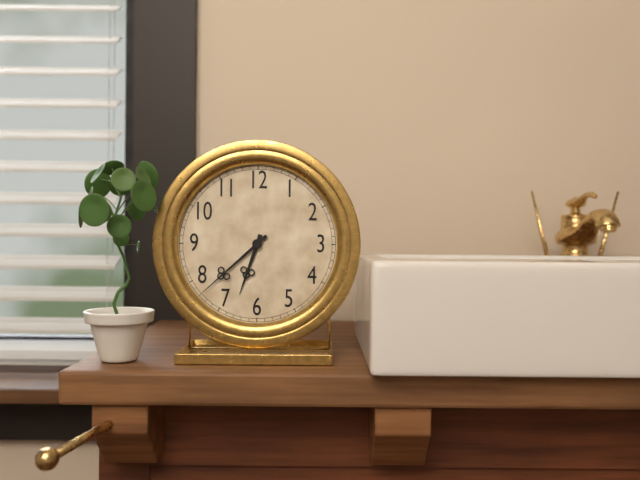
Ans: 6:38
